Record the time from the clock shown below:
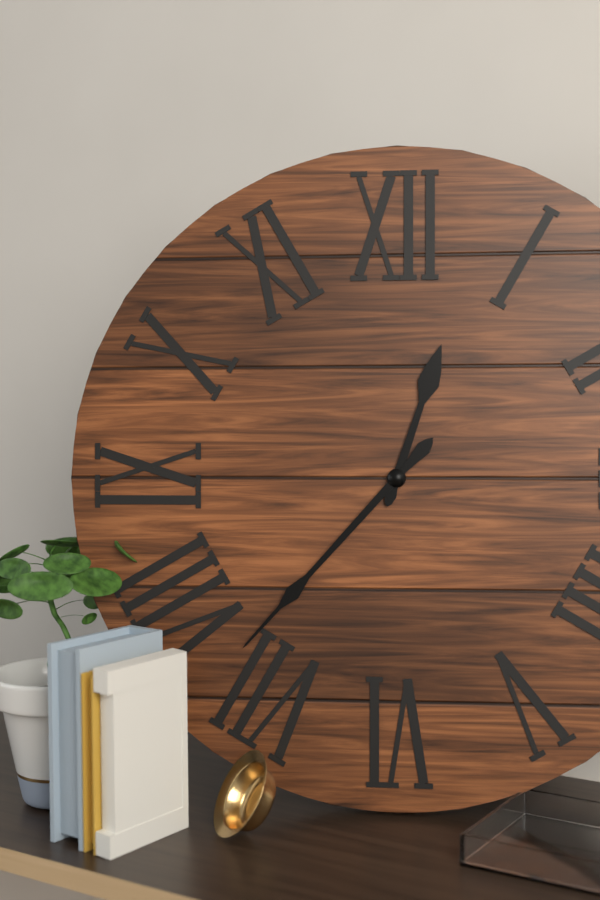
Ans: 12:37
